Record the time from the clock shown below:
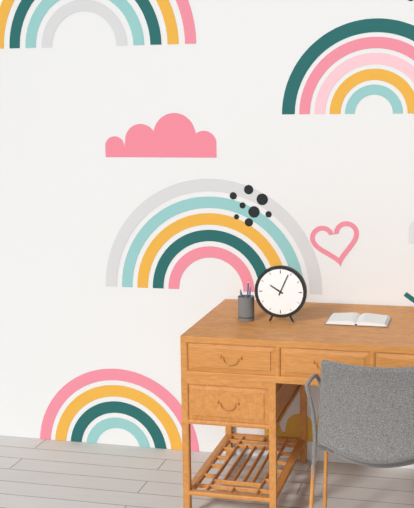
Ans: 10:04
